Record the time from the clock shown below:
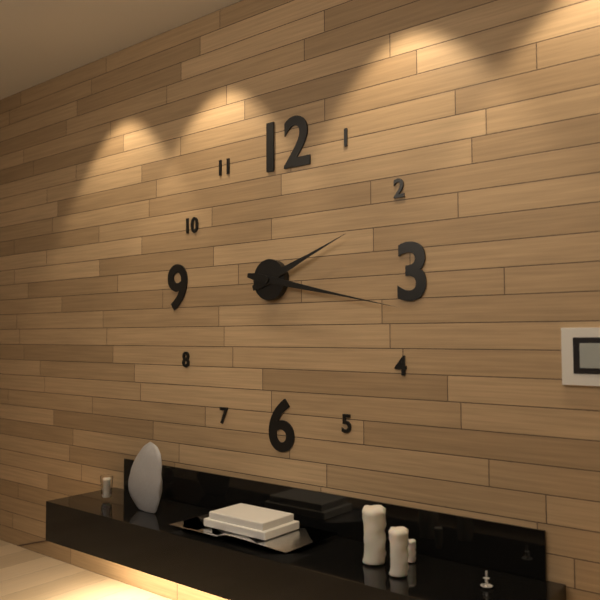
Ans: 2:17
